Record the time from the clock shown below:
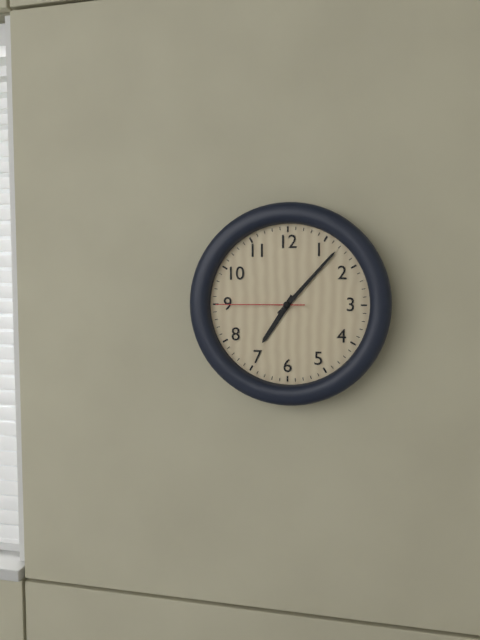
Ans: 7:07:45
